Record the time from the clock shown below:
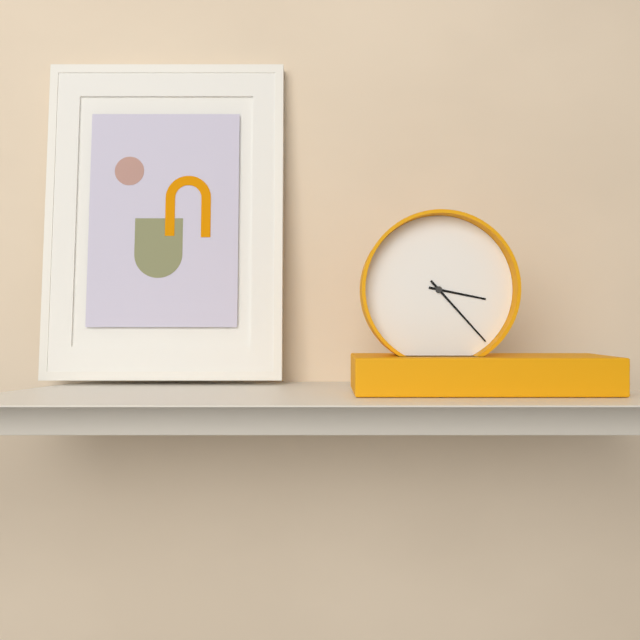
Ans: 3:23
